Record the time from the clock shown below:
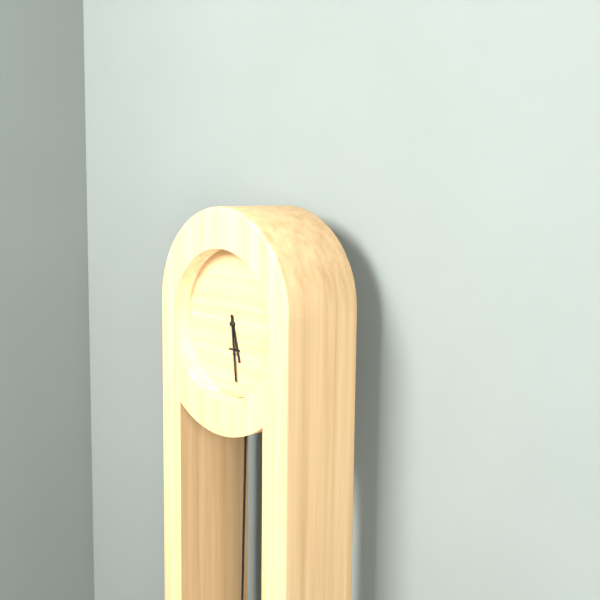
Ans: 5:29
